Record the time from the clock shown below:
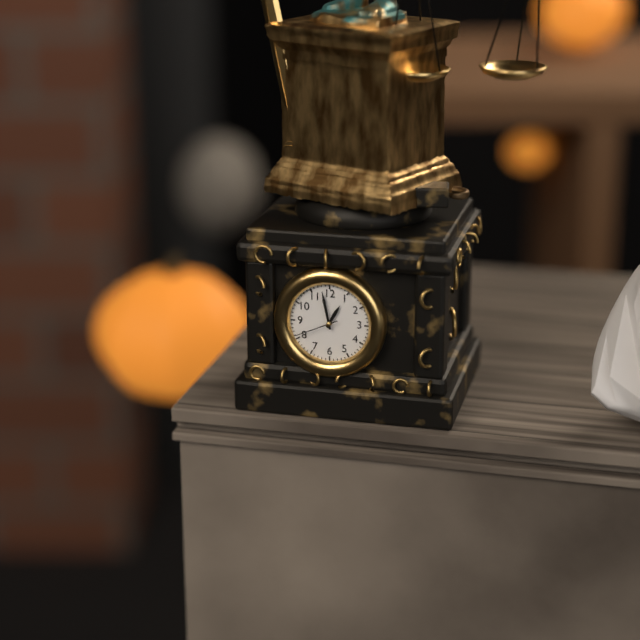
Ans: 12:58
